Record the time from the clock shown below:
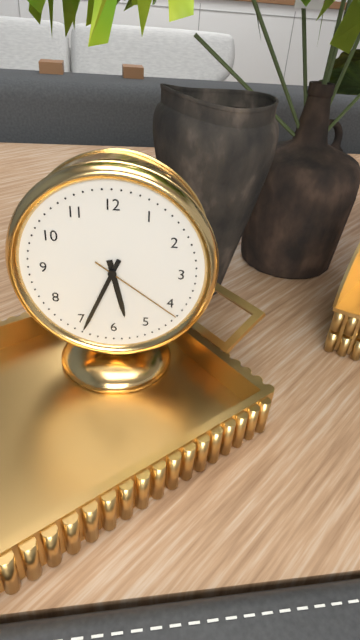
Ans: 5:34:21
